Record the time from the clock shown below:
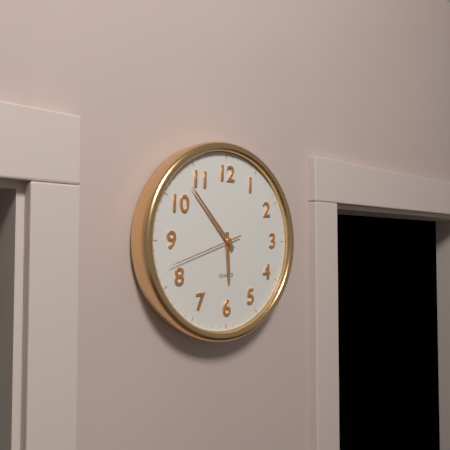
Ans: 5:53:42
